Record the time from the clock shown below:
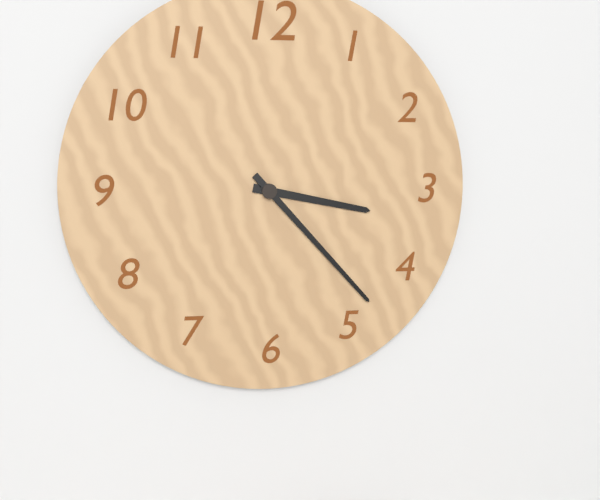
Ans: 3:23
